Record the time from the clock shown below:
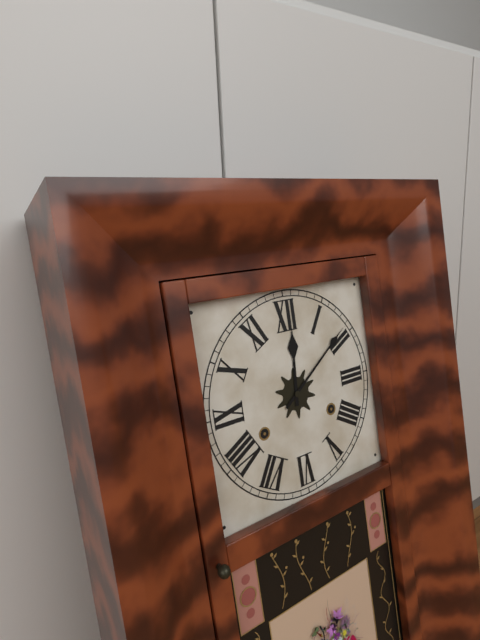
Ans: 12:09
